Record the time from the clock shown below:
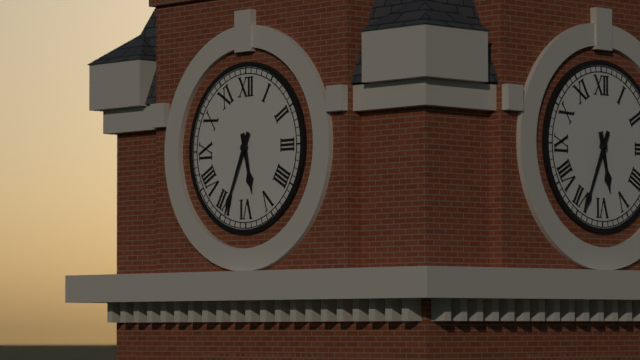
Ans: 5:34
